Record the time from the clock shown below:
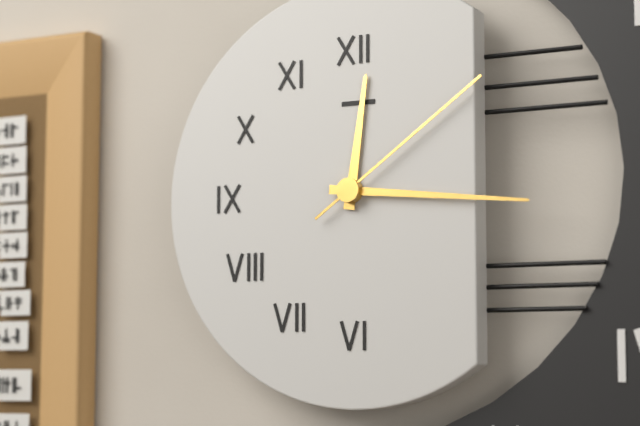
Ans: 12:16:09
